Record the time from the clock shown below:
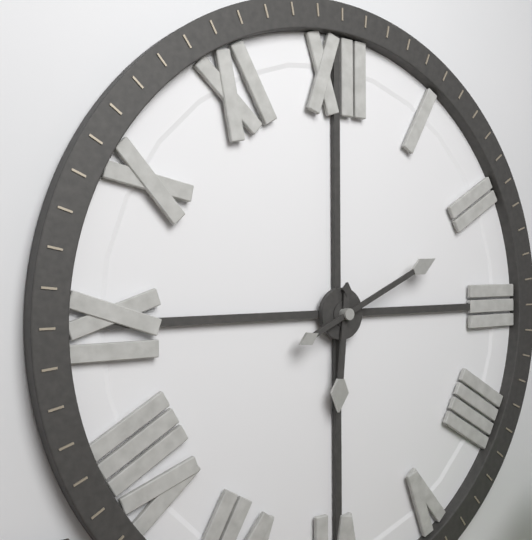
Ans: 6:11
